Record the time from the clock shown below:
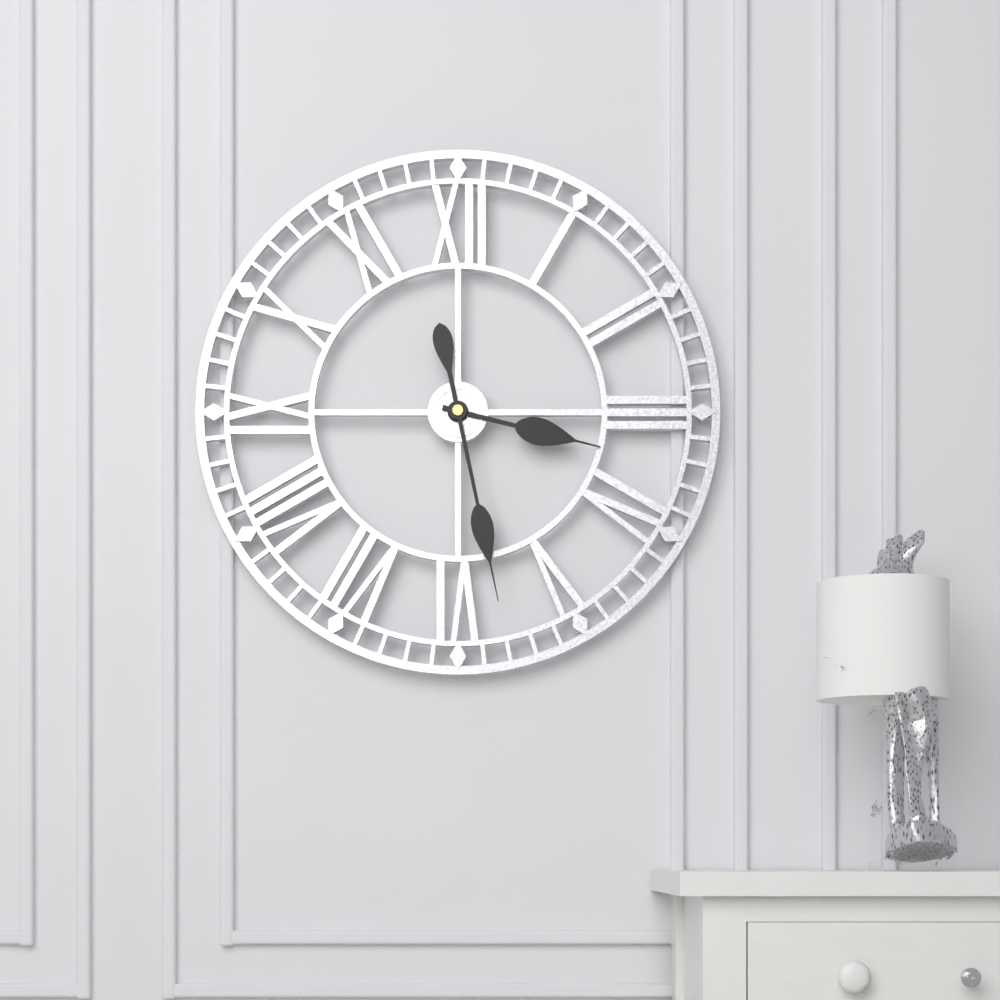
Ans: 3:28
